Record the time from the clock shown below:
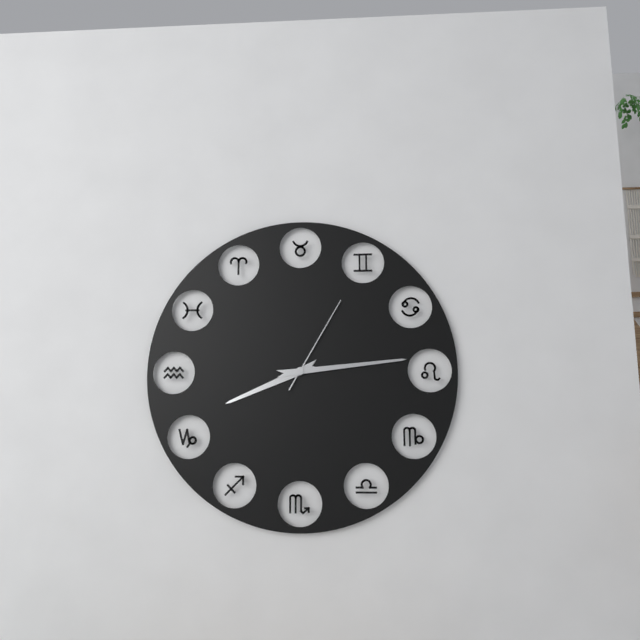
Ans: 8:14:05
